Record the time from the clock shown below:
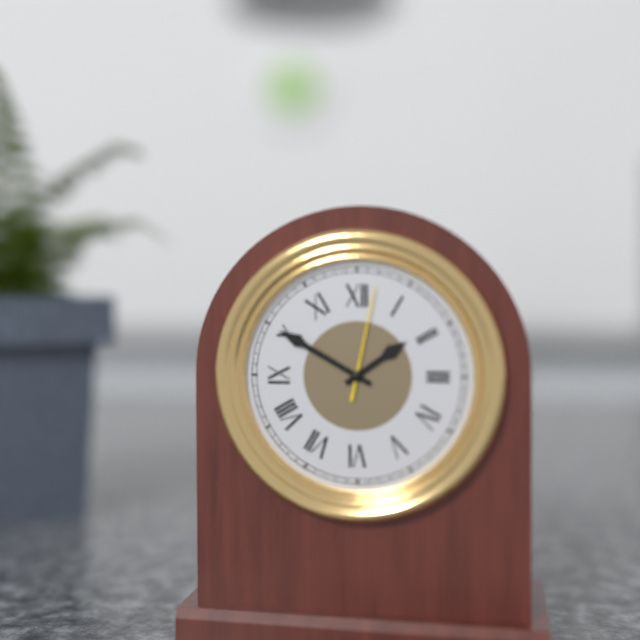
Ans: 1:50:02
